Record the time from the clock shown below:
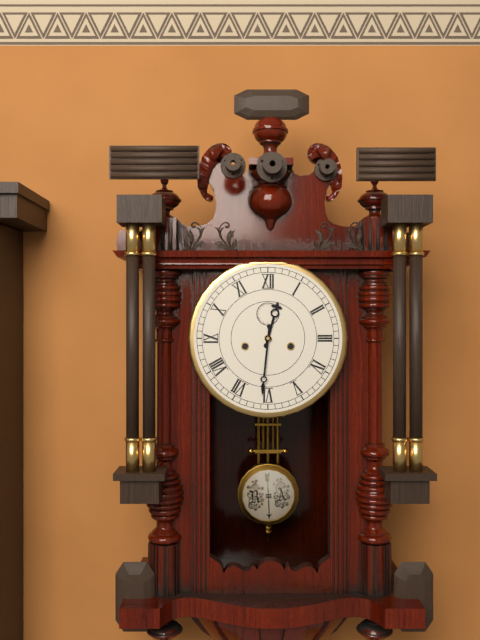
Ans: 12:31
